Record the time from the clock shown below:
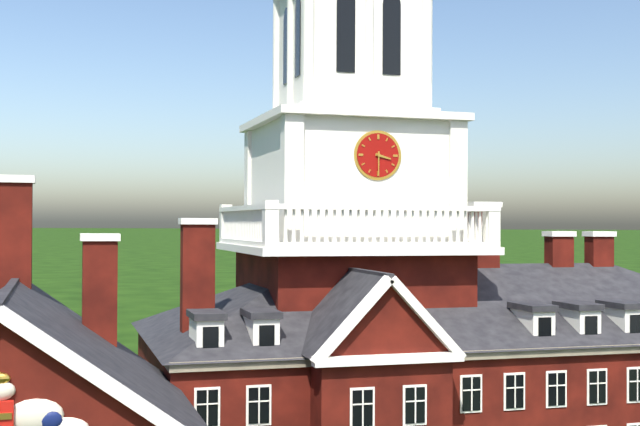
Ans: 3:30
